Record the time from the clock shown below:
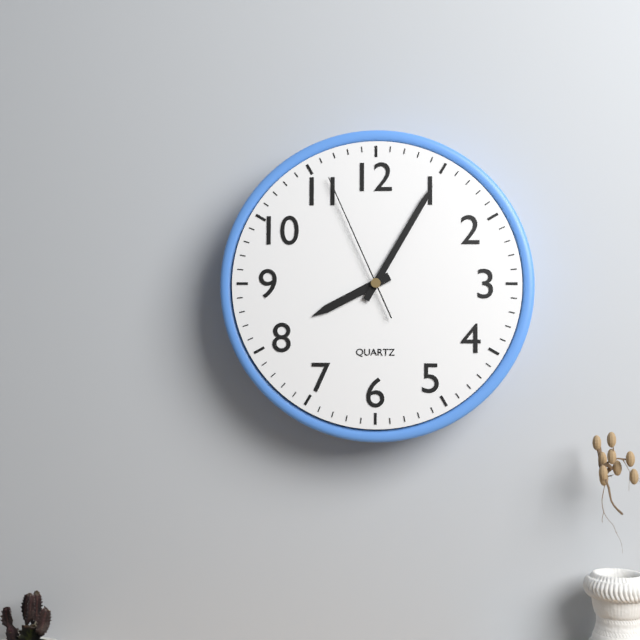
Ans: 8:05:56
